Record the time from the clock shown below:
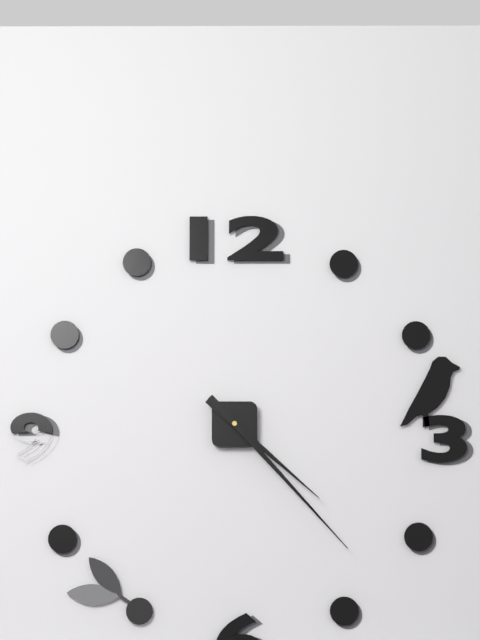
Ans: 4:23
